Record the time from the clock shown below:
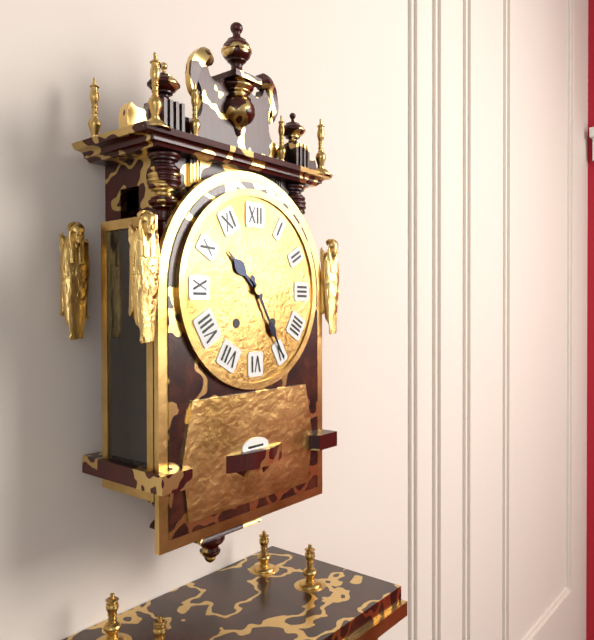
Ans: 10:25
